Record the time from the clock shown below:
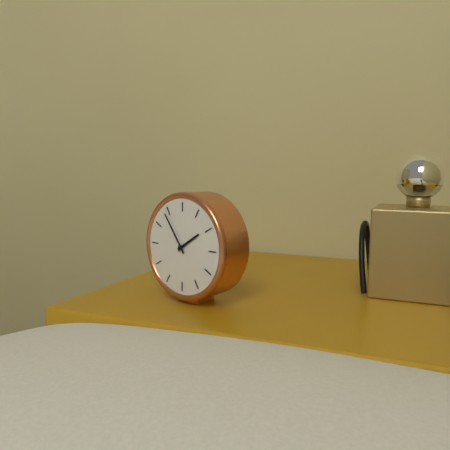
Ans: 1:54
